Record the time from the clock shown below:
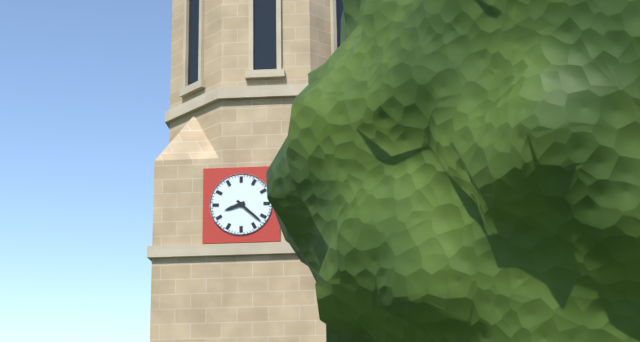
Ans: 8:22
